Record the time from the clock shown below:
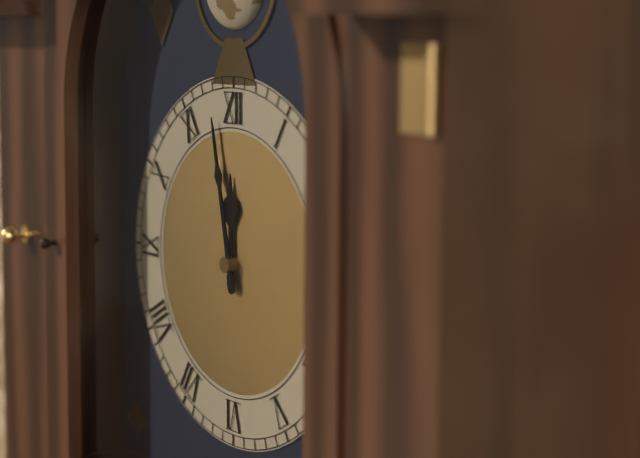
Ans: 11:58
